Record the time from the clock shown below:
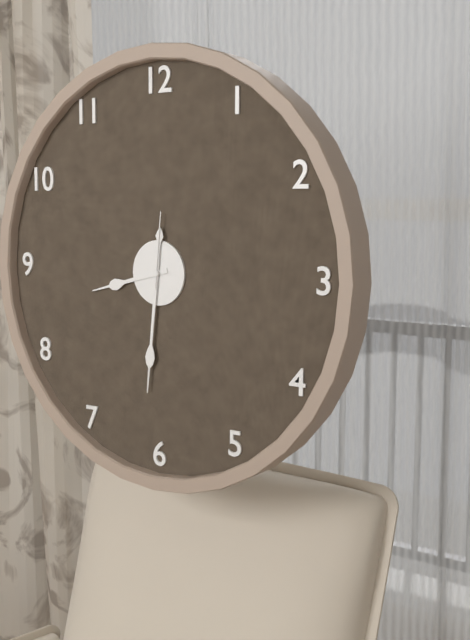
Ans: 8:31:01
